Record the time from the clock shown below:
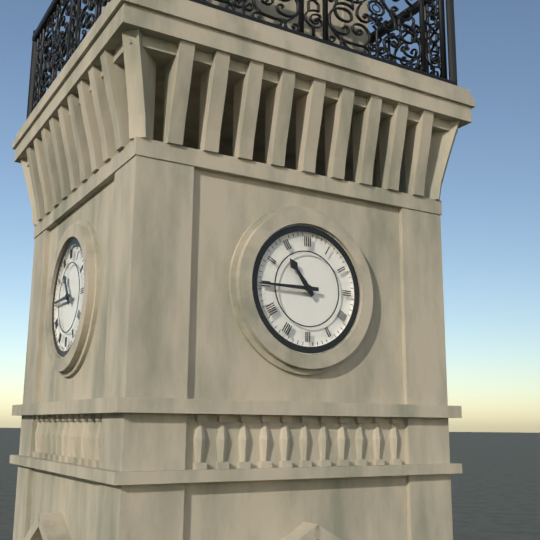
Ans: 10:45
